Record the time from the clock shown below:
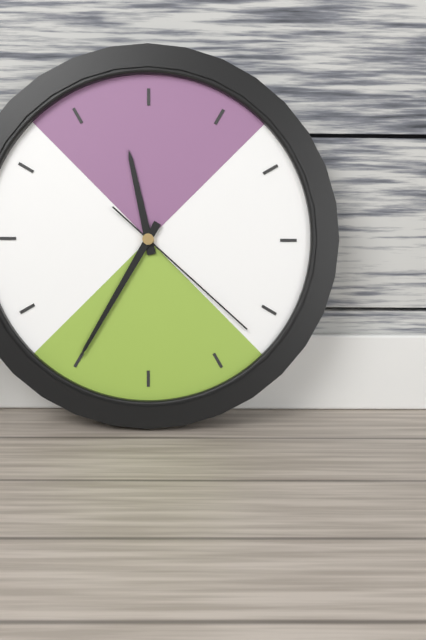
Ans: 11:35:22
